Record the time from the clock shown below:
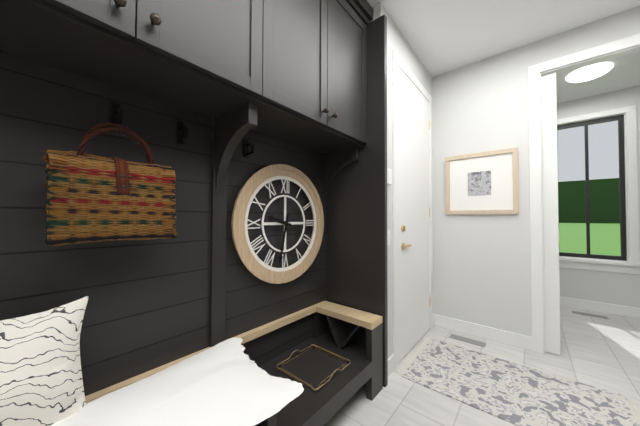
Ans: 9:32
